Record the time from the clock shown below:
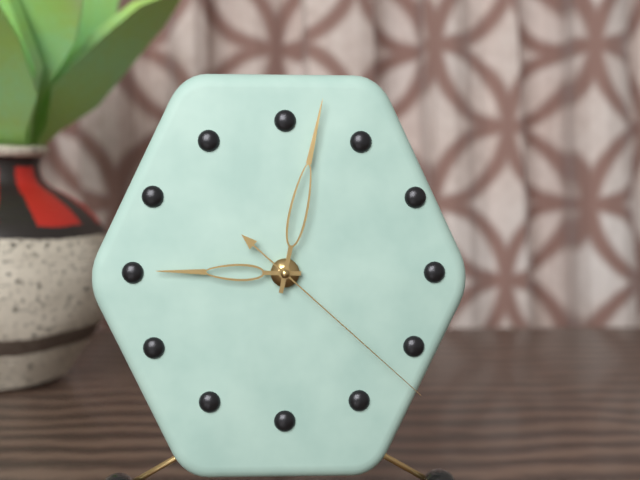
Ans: 9:02:22
